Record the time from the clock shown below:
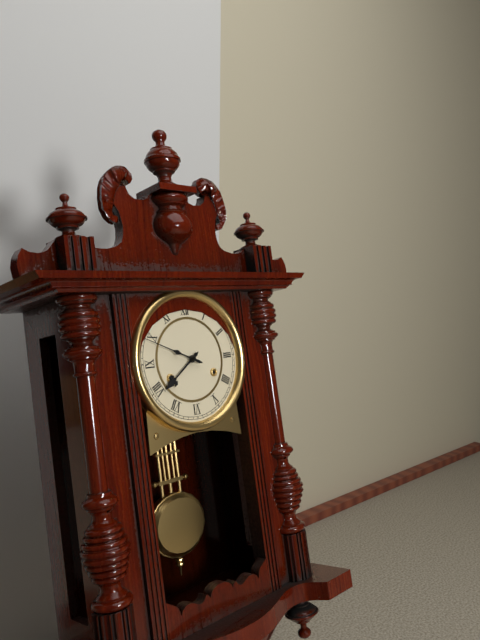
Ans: 7:49
